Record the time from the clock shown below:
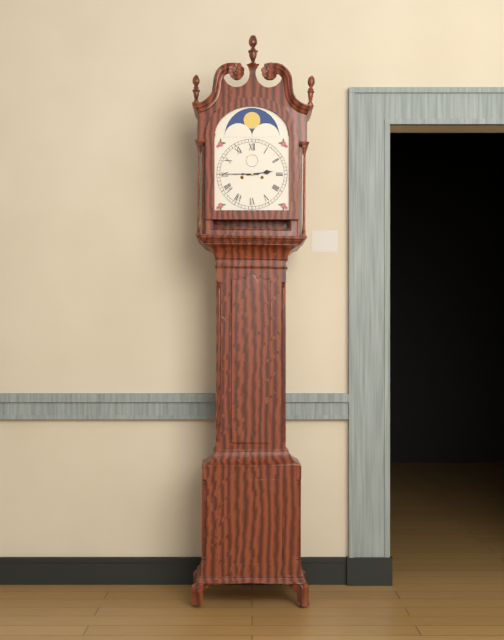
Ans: 2:45
